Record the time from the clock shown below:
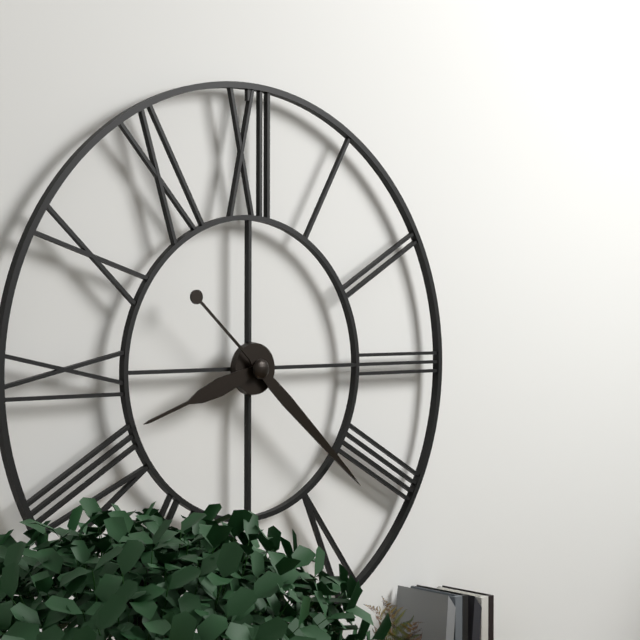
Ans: 8:22
